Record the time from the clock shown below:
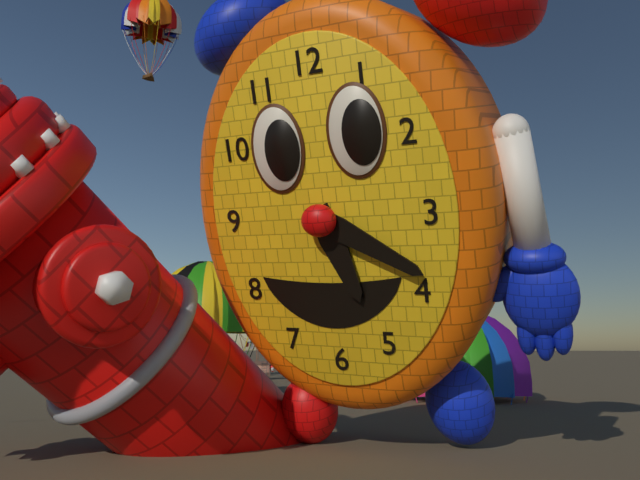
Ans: 5:20
